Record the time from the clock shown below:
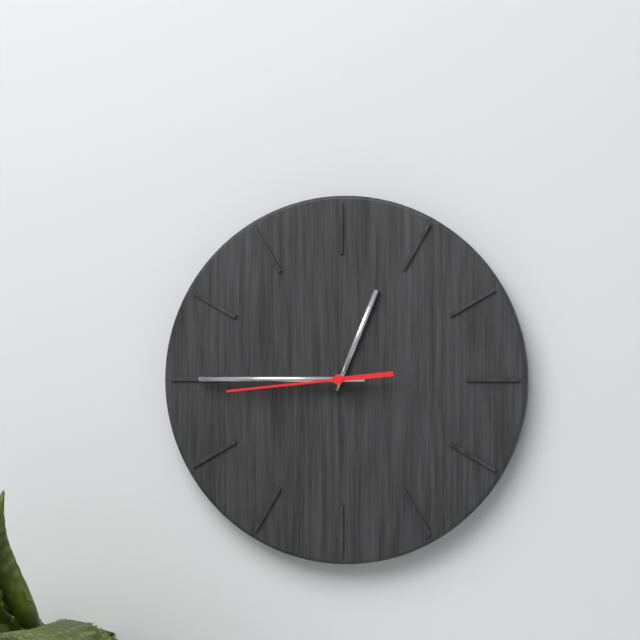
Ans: 12:45:44
